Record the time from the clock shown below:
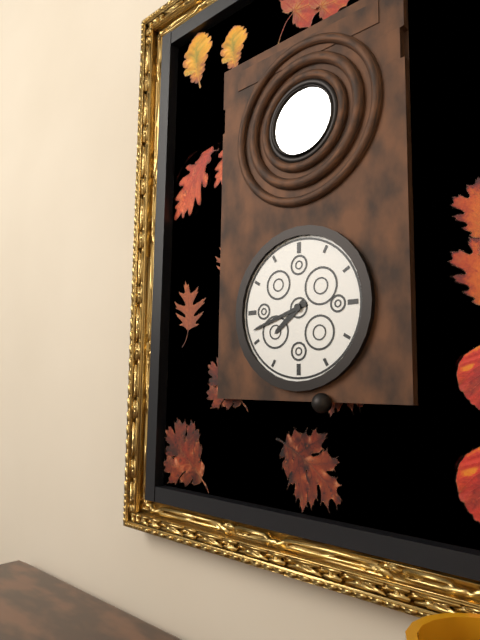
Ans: 7:42
